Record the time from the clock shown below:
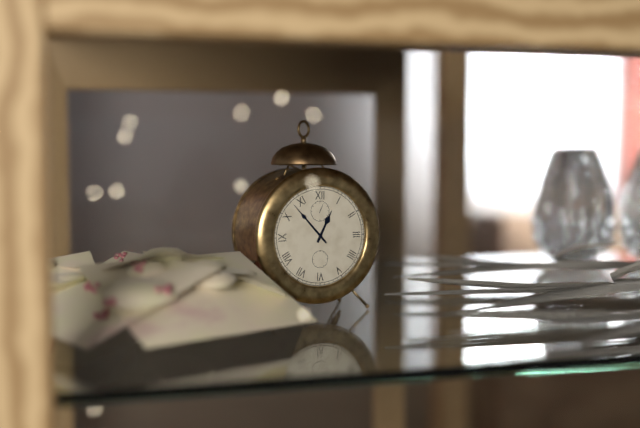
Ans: 12:53
